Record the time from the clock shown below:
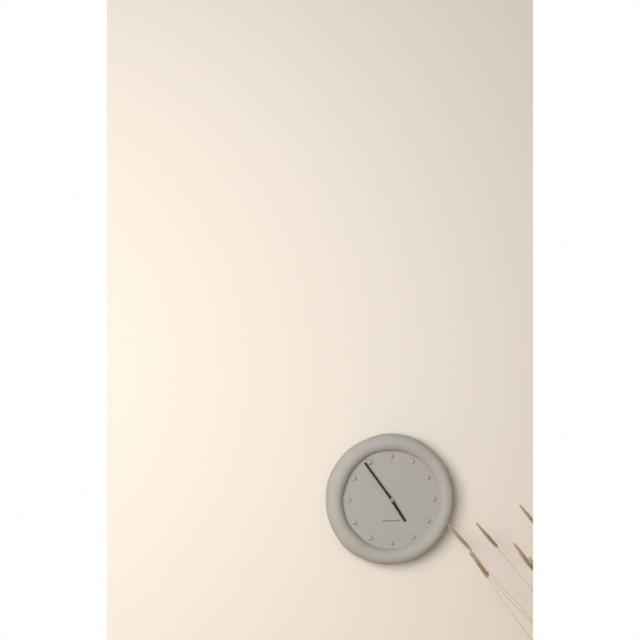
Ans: 4:54
